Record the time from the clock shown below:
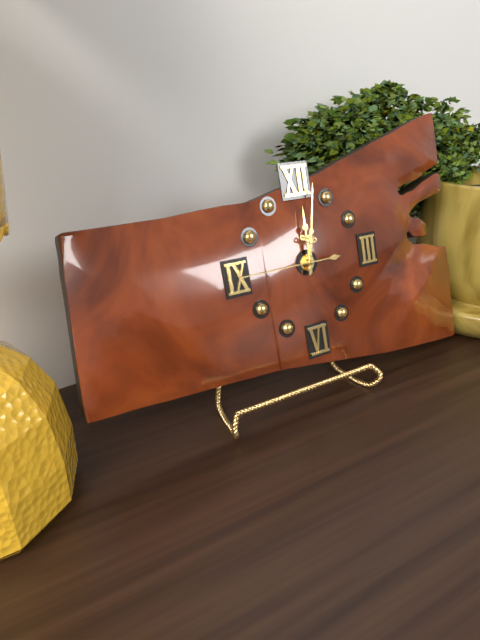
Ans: 12:02:45
